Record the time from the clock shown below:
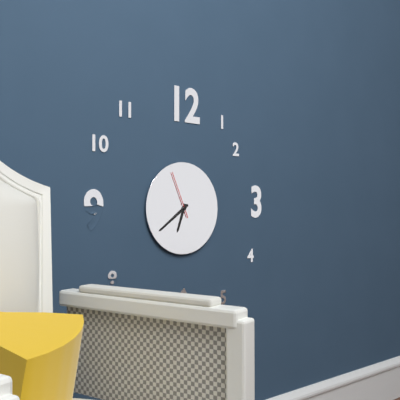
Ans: 6:39
